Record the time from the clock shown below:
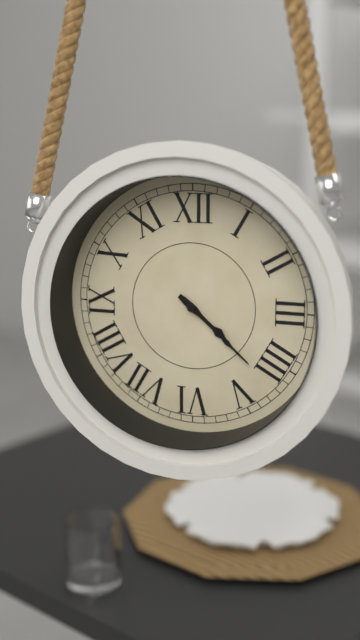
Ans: 4:22
